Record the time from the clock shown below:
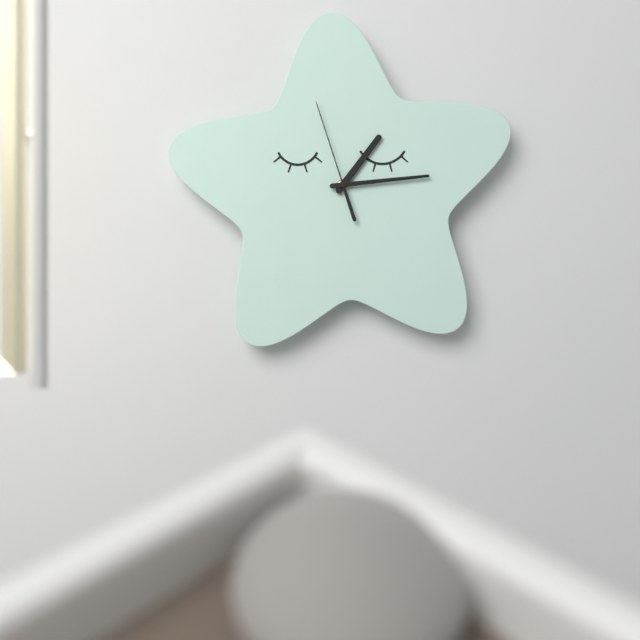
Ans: 1:14:57
